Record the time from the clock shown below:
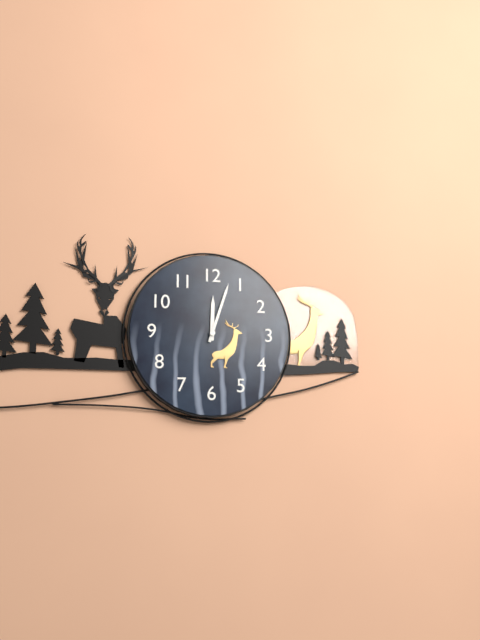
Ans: 12:03
